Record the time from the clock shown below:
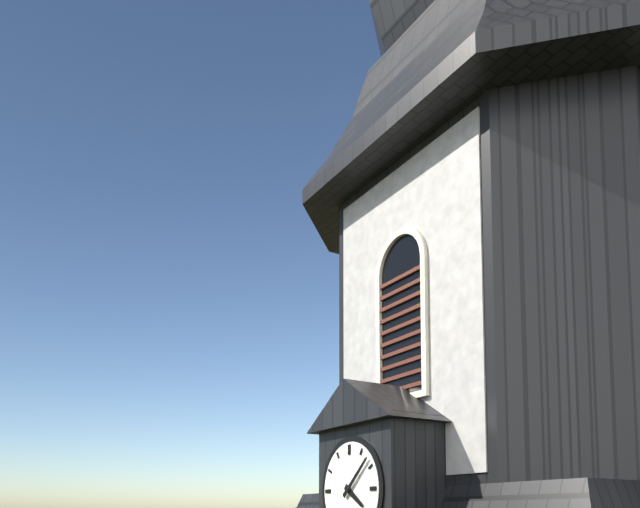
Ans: 4:08
